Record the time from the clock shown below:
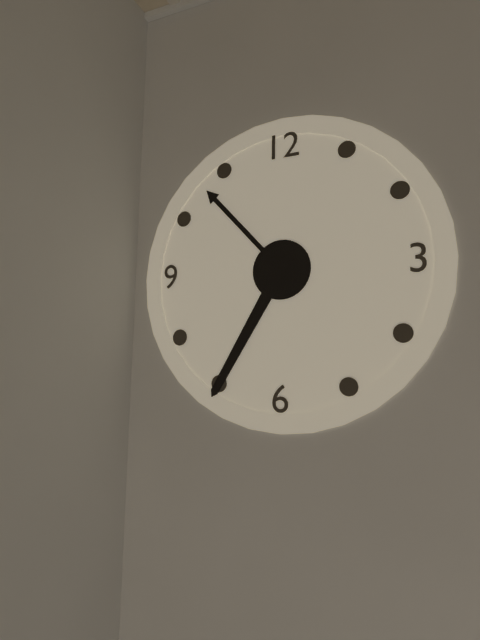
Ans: 10:35
